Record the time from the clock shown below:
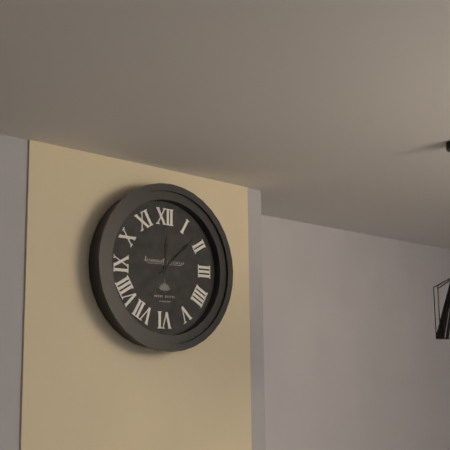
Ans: 12:08
